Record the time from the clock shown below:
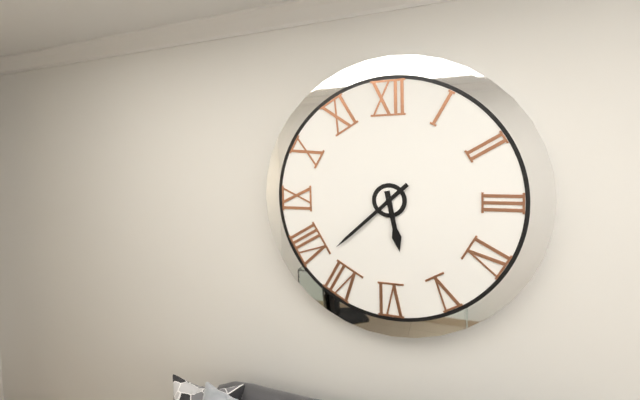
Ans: 5:38
